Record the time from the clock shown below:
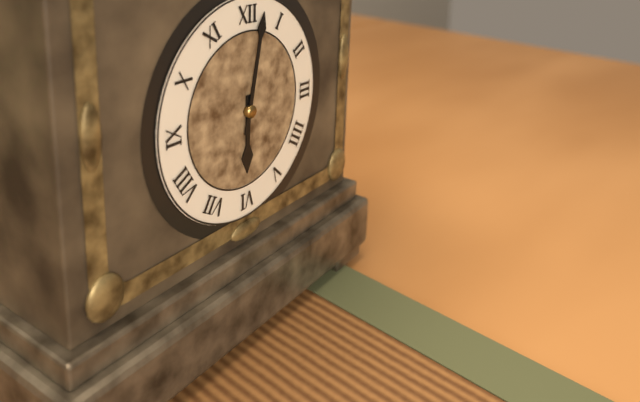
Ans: 6:02
